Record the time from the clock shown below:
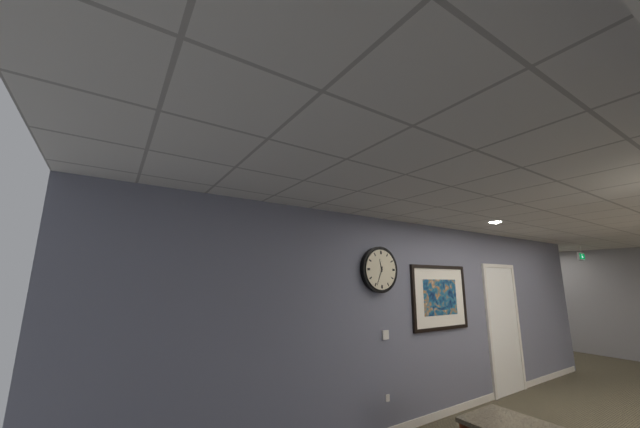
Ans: 11:34
